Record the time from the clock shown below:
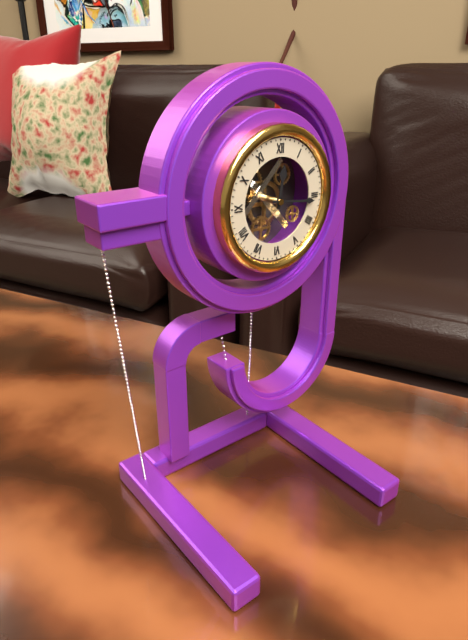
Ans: 12:16
